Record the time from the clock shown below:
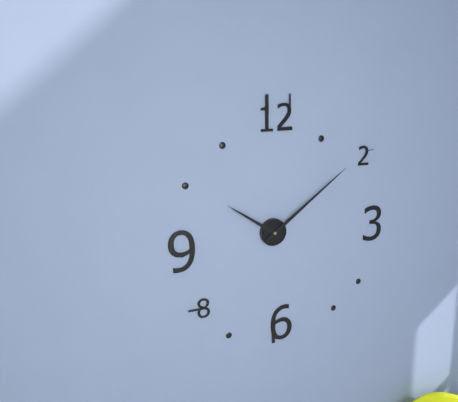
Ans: 10:09
